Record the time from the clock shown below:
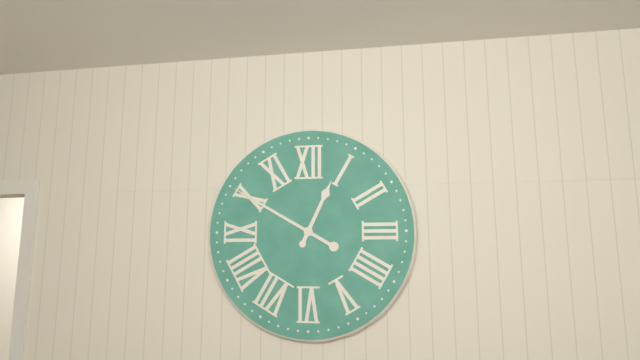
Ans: 12:50
